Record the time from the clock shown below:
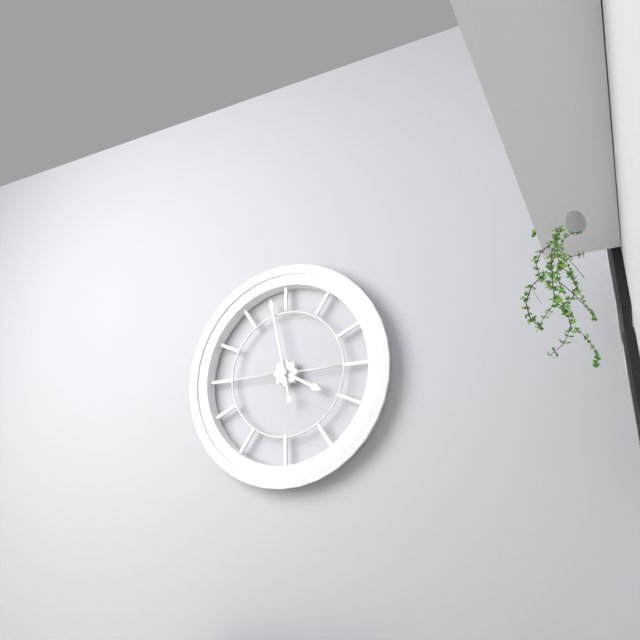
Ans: 3:58
